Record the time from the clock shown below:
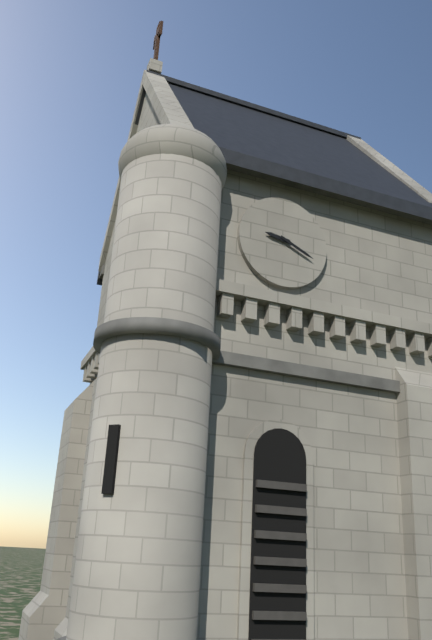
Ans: 9:19
